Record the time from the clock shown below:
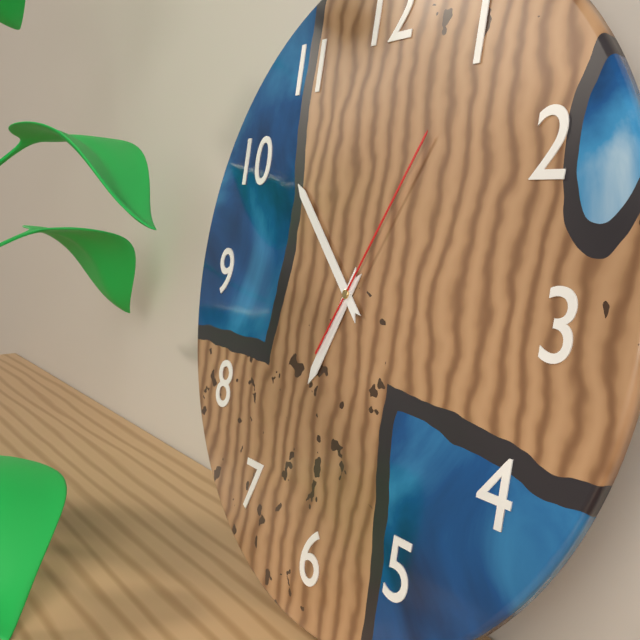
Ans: 6:52:05
